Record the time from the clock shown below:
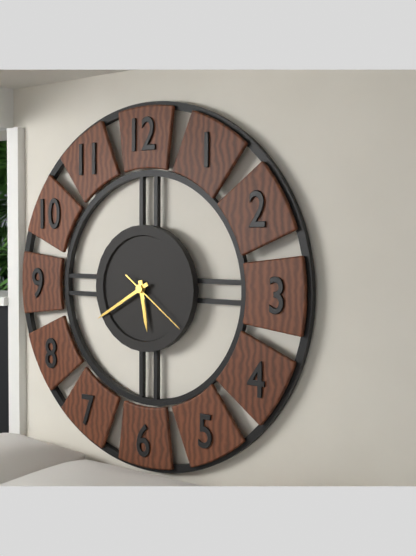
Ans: 5:40:21
